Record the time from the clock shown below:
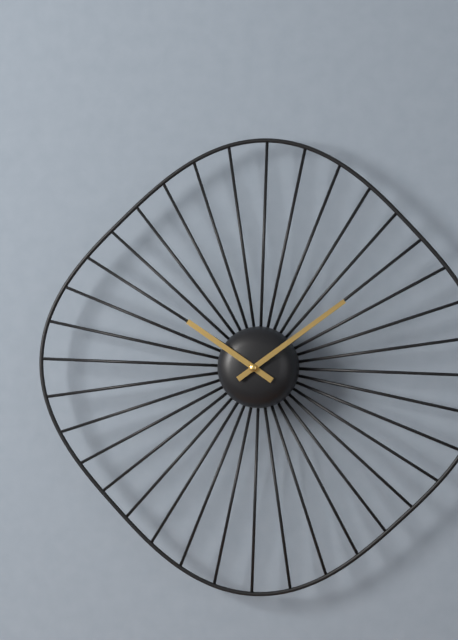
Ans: 10:09
